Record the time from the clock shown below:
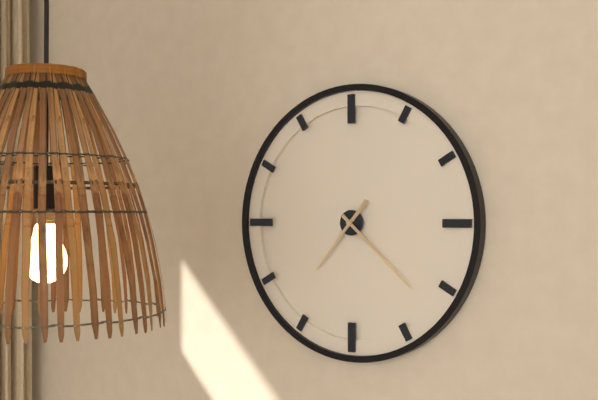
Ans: 7:22
